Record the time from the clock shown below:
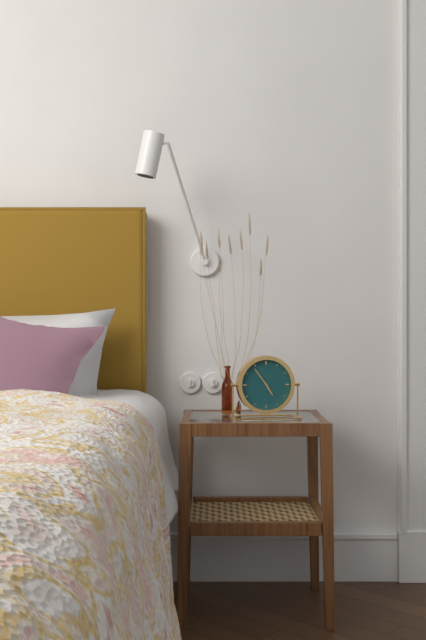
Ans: 4:54
